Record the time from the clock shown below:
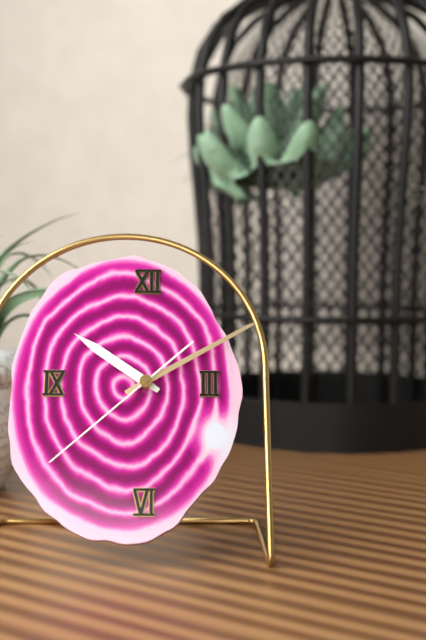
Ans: 10:10:38
